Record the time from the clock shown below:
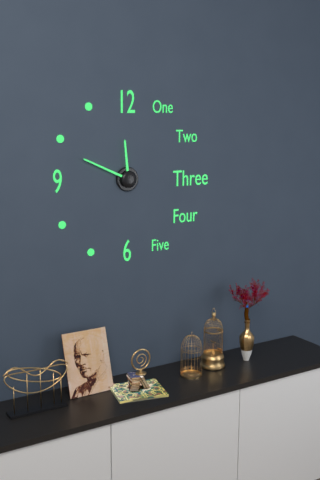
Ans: 11:49
